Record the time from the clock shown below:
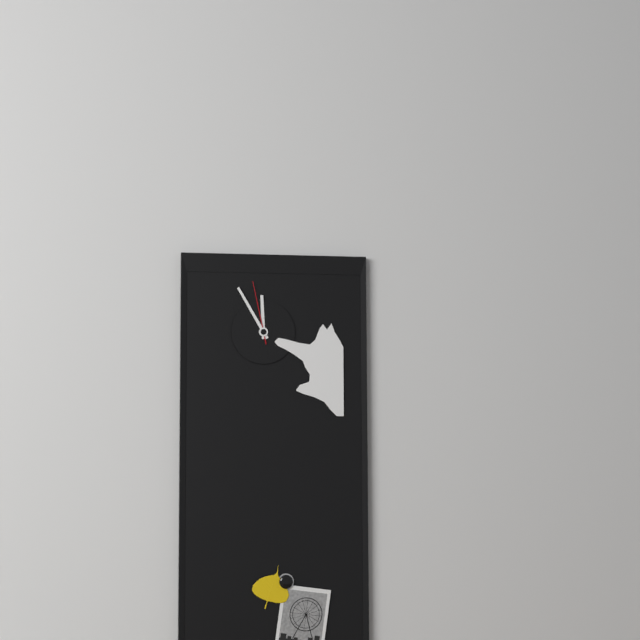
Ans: 11:55:58
